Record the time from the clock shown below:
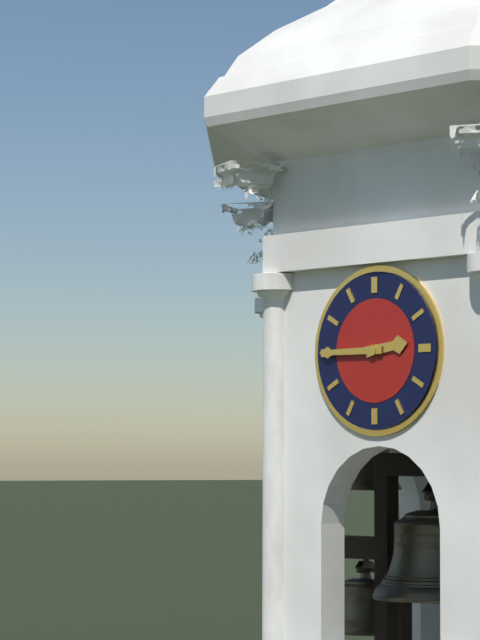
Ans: 2:45
